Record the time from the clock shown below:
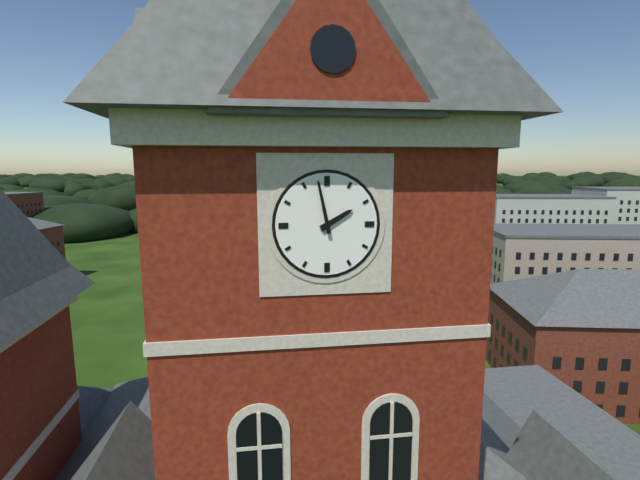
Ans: 1:58
